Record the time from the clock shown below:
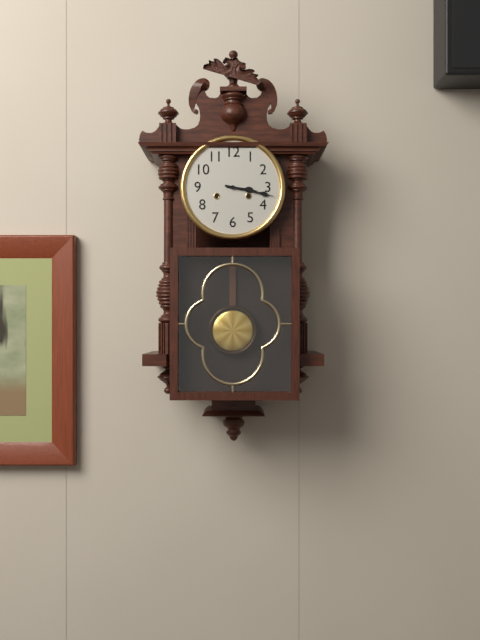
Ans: 3:17
